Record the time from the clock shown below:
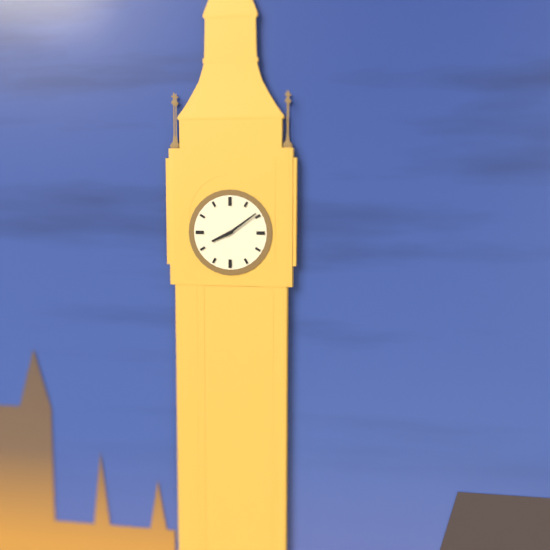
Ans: 8:09
